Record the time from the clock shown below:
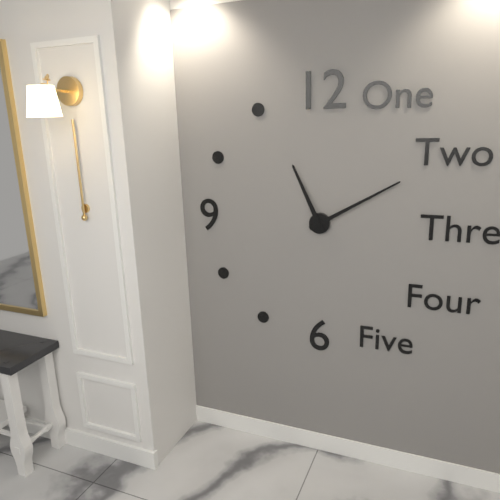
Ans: 11:10
